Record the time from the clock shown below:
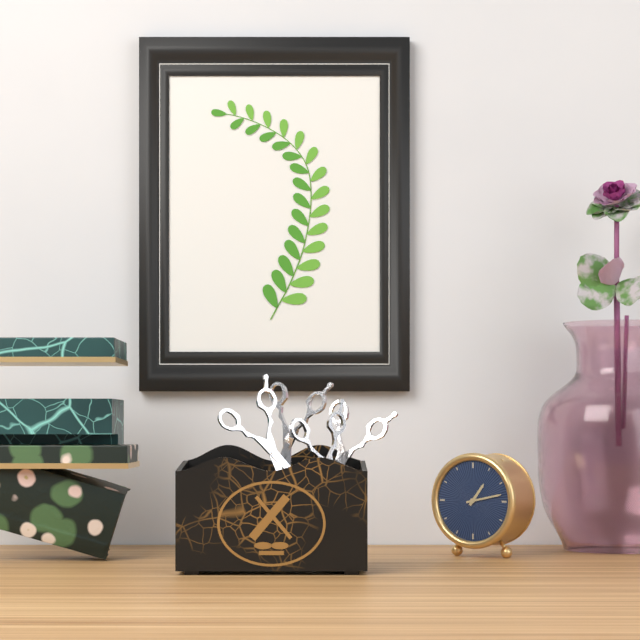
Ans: 1:13
